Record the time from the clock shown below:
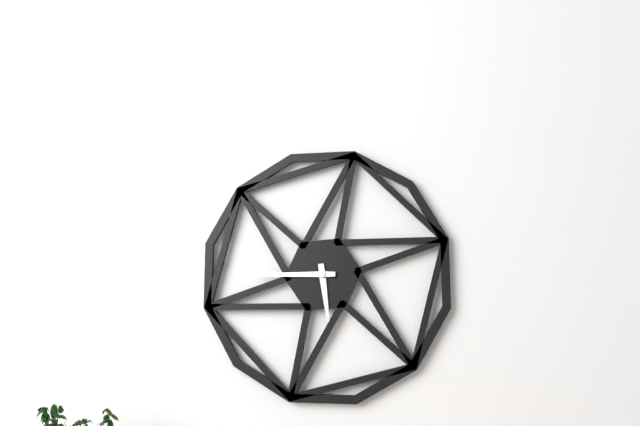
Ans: 5:45
